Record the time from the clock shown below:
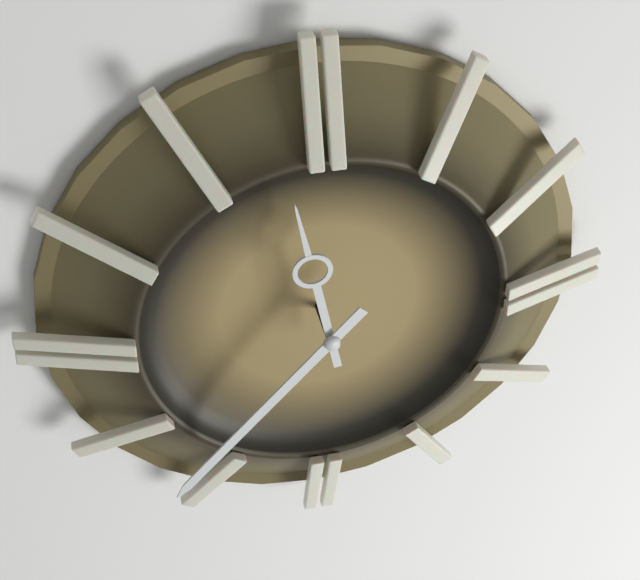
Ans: 11:37
